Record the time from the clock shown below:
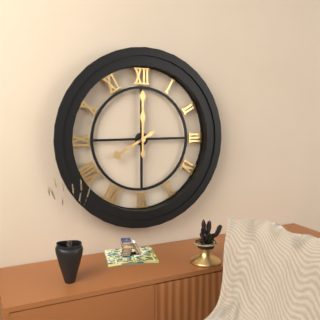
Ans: 8:00
